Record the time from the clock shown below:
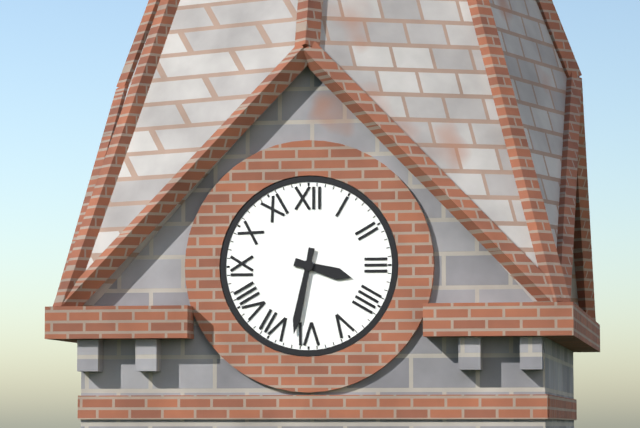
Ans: 3:32
